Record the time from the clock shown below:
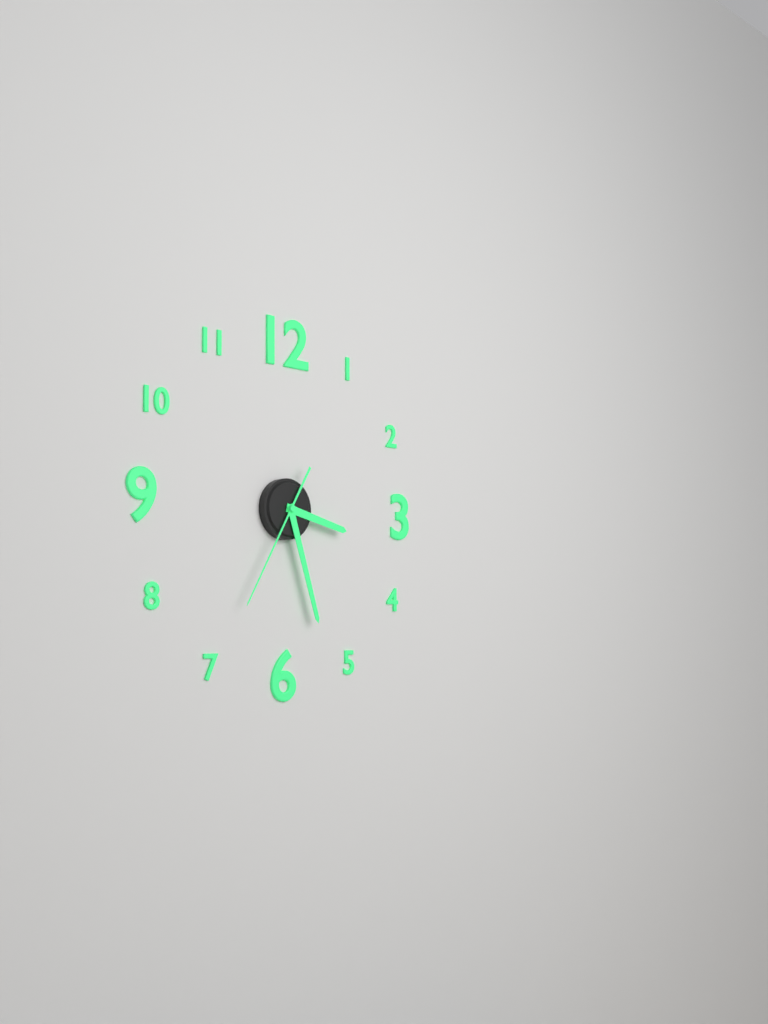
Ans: 3:27:35
